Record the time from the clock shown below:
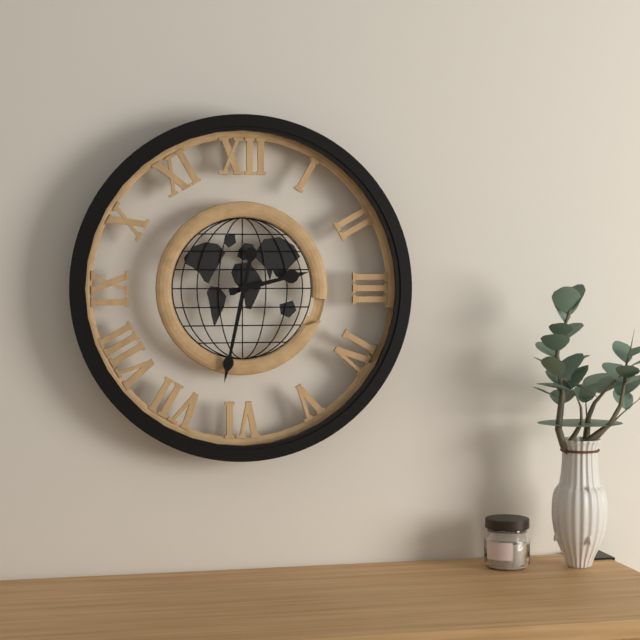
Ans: 2:32
